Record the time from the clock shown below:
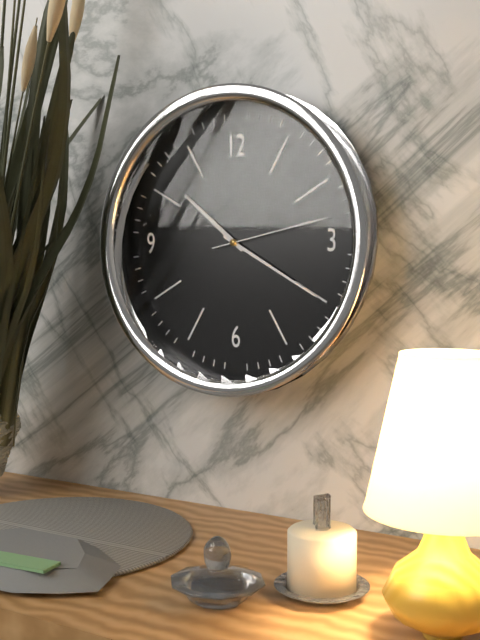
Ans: 10:20:13
